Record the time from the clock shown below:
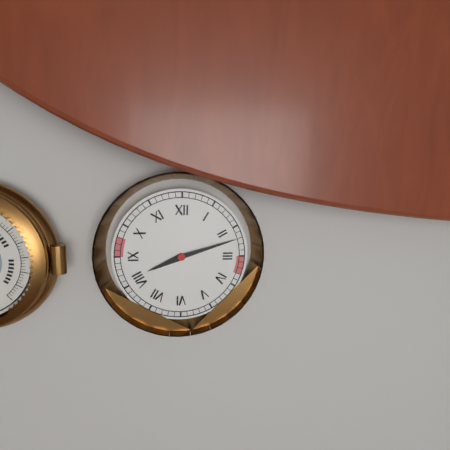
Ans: 8:12
